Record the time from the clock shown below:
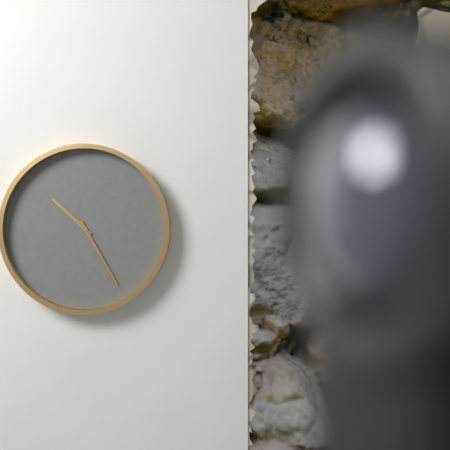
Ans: 10:25
